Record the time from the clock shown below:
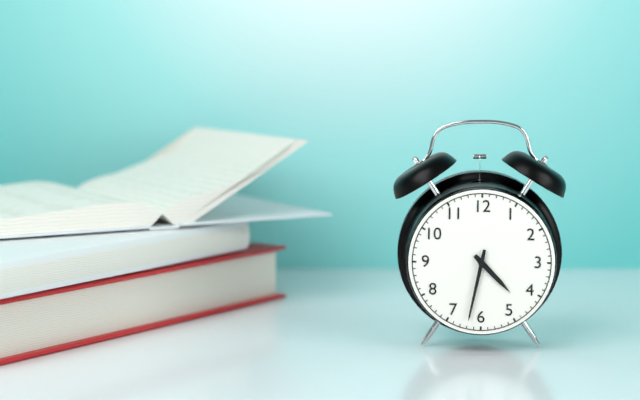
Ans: 4:32
